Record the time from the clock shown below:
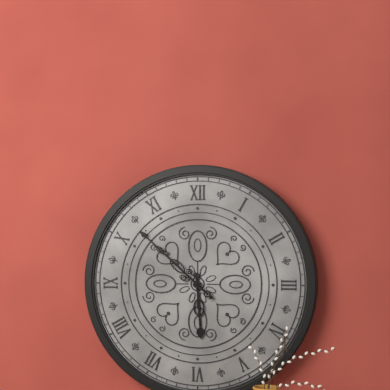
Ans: 5:52
